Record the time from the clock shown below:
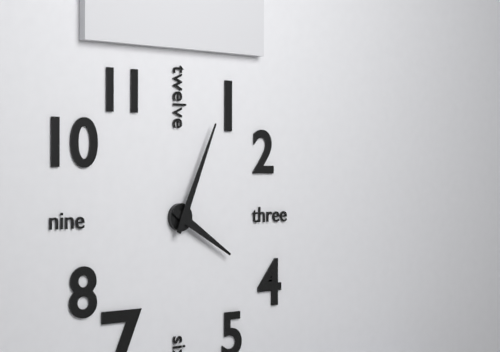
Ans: 4:04
